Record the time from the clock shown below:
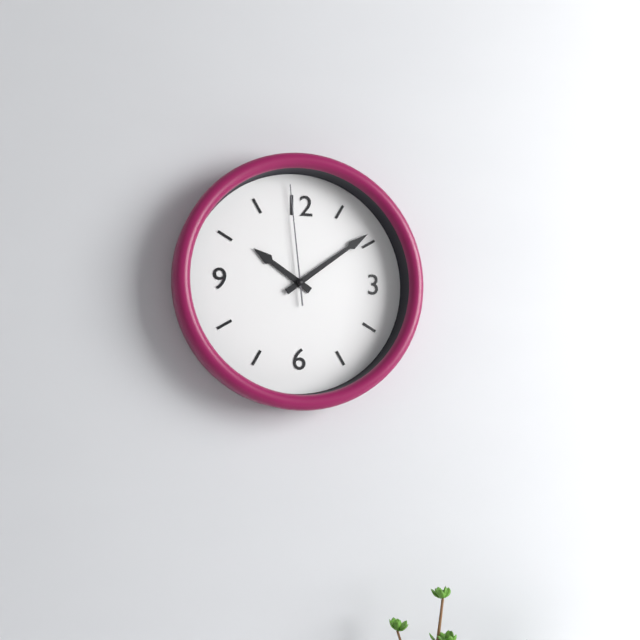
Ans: 10:09:59
